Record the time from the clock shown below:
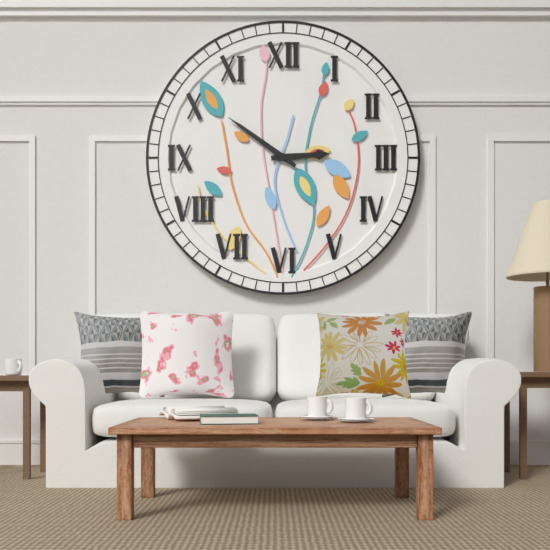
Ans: 2:51
